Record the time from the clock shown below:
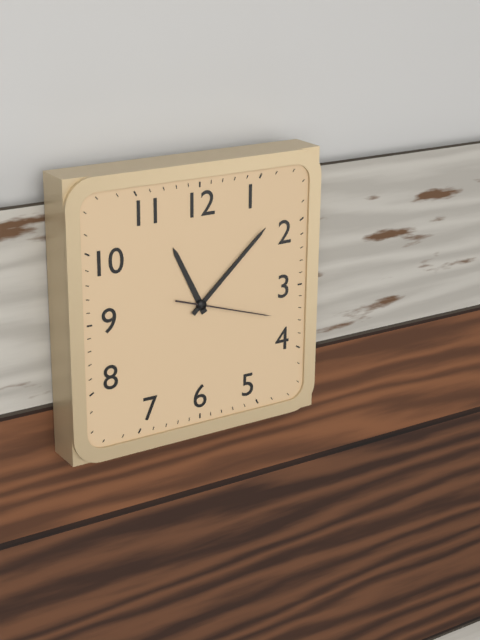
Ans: 11:08:18
